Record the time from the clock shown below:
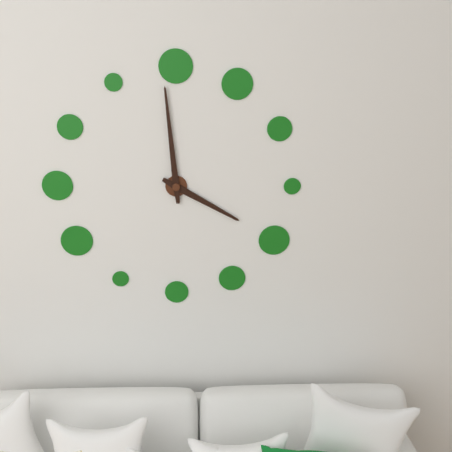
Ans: 3:59
